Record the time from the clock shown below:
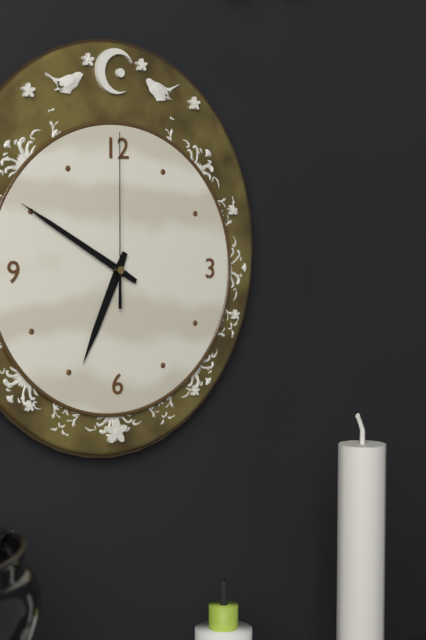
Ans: 6:50:00
